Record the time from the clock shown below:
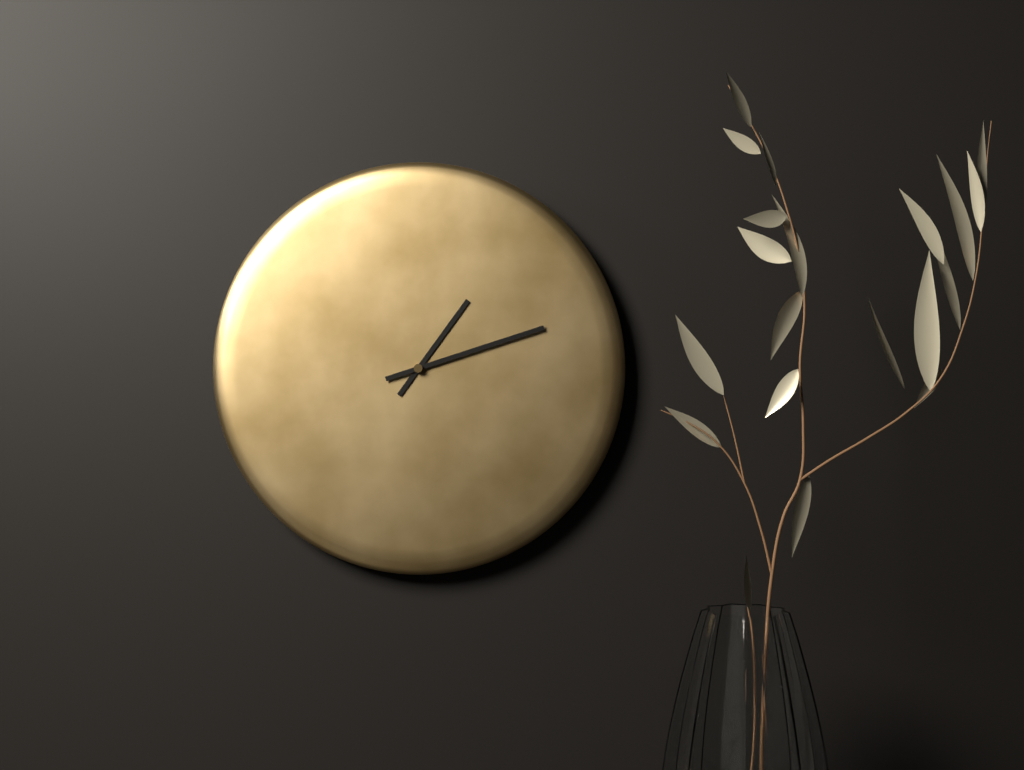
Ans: 1:12
